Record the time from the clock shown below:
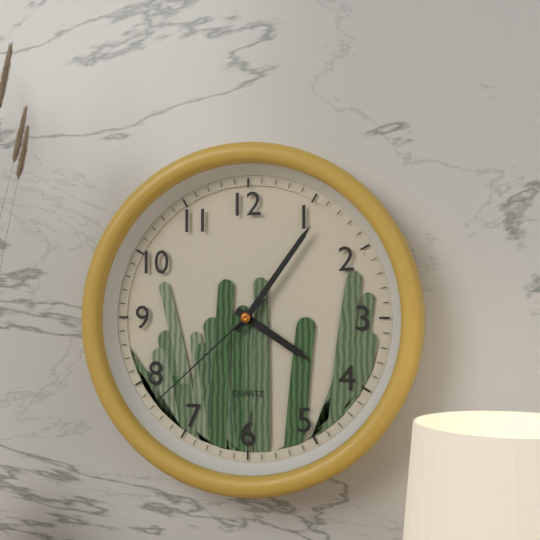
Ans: 4:06:38
